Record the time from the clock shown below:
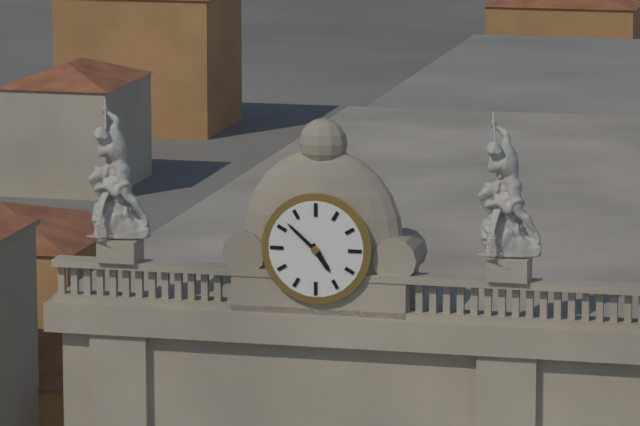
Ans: 4:52
